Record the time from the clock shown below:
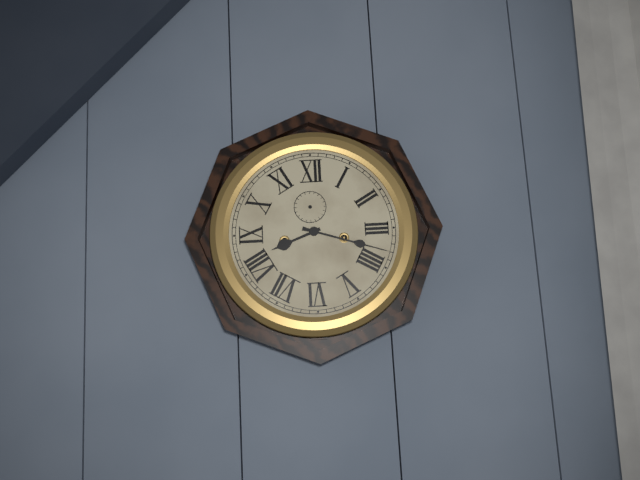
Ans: 8:18
